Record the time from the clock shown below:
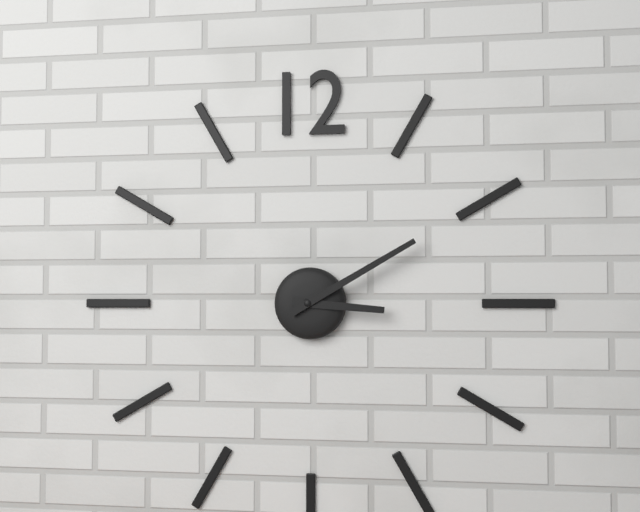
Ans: 3:10
